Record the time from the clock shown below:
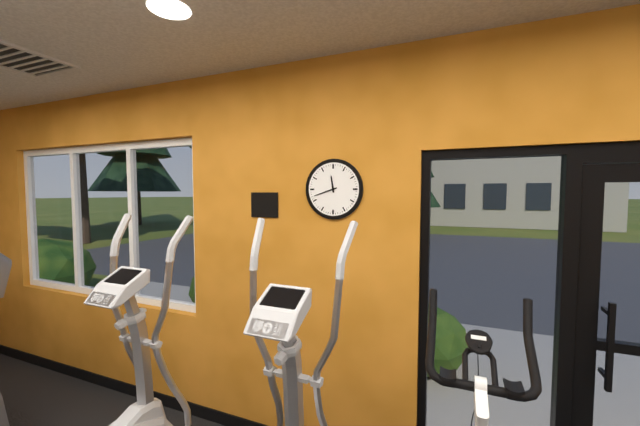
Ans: 11:42
